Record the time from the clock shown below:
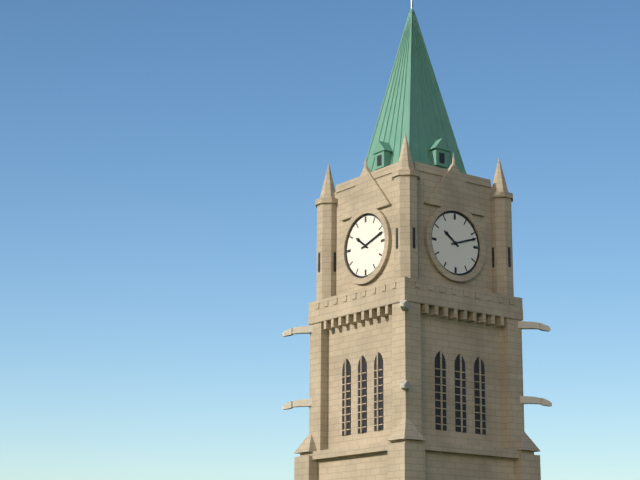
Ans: 10:12
